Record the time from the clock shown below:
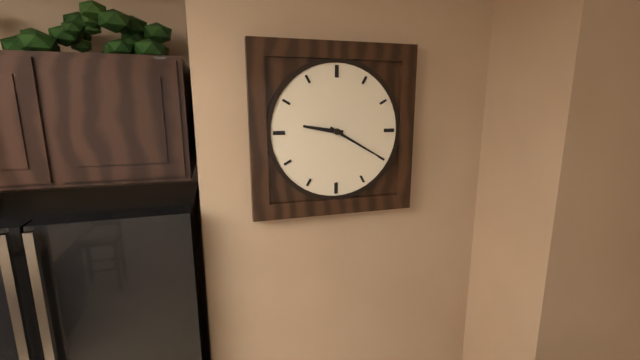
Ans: 9:20
